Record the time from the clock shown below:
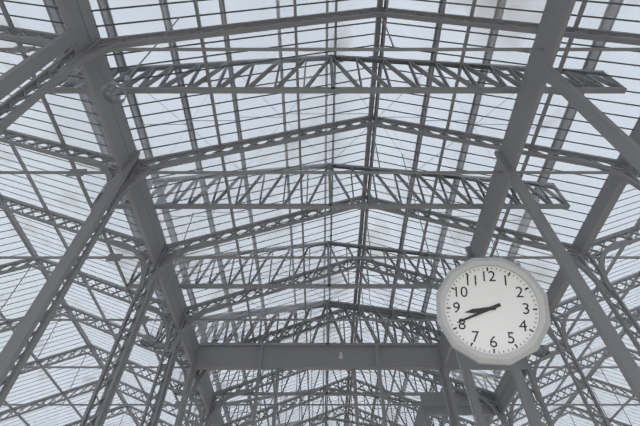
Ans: 8:41
